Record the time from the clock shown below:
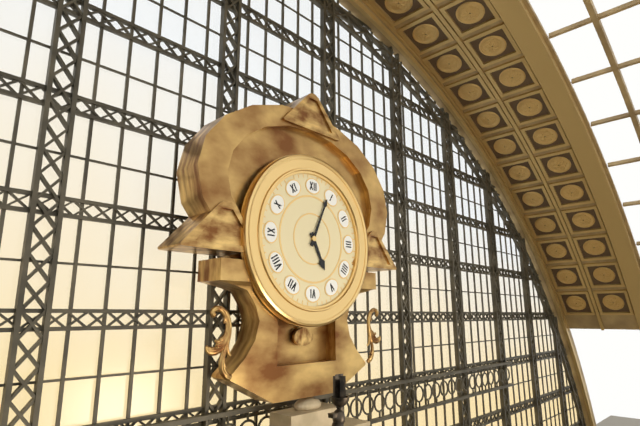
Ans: 5:04
